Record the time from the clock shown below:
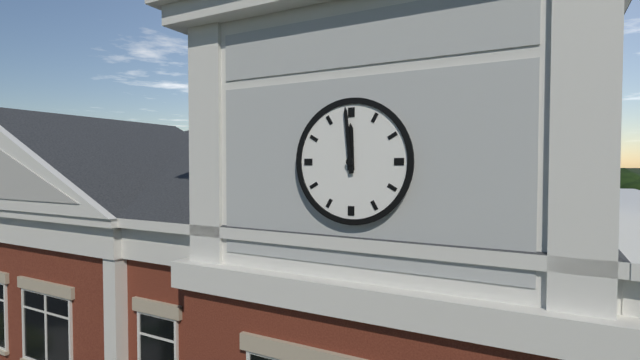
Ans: 11:59
